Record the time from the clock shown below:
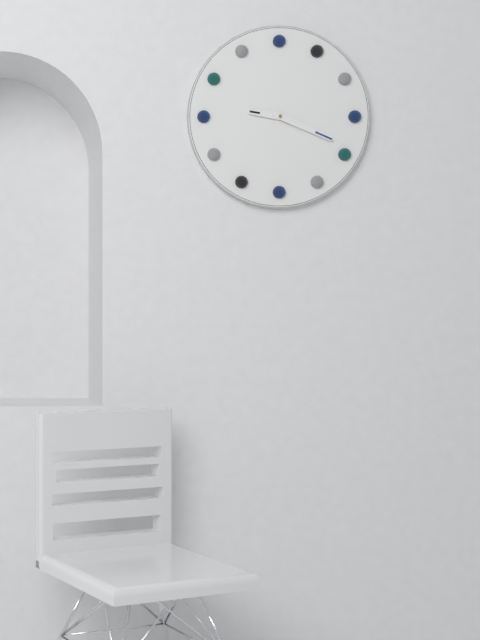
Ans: 9:19
